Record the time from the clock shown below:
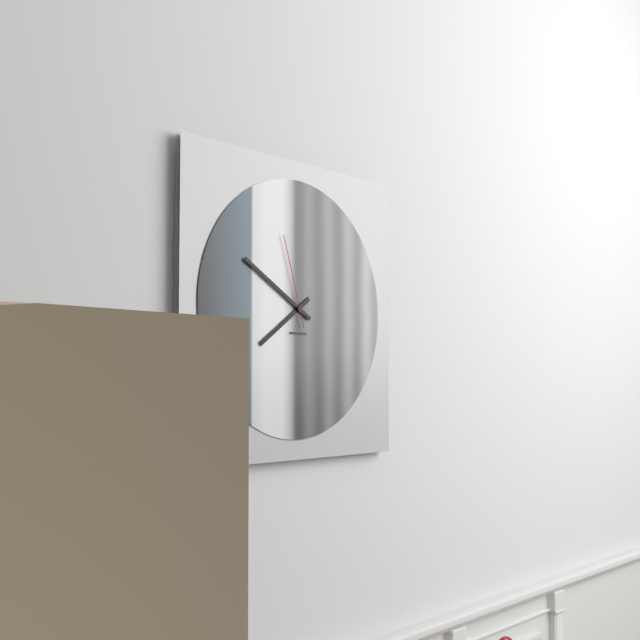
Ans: 7:50:57
